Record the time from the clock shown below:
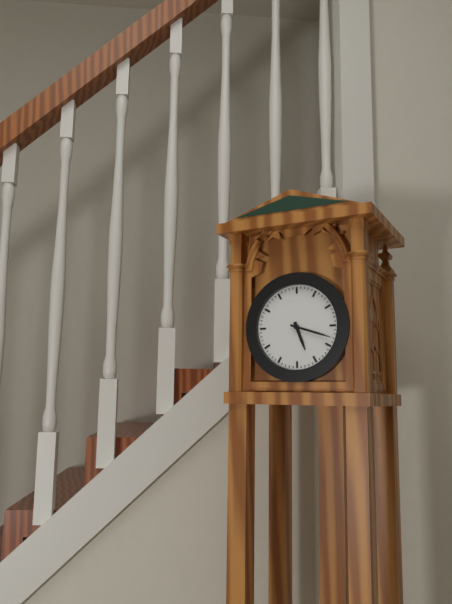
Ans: 5:18
